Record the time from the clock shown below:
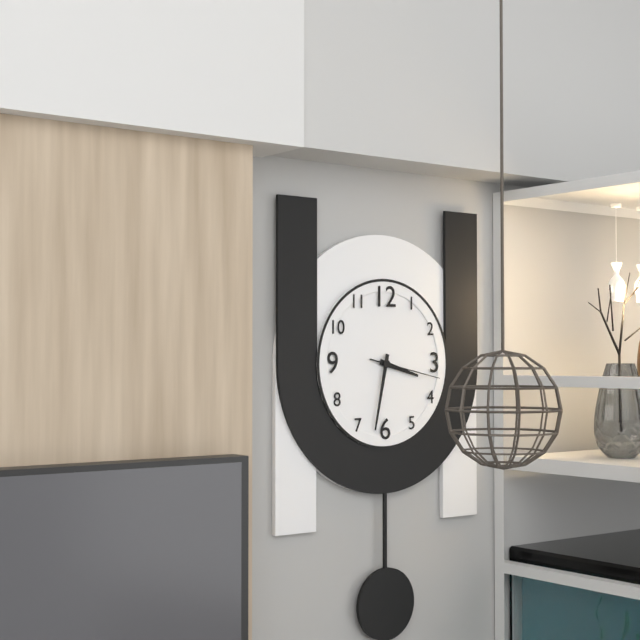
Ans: 3:32:17
